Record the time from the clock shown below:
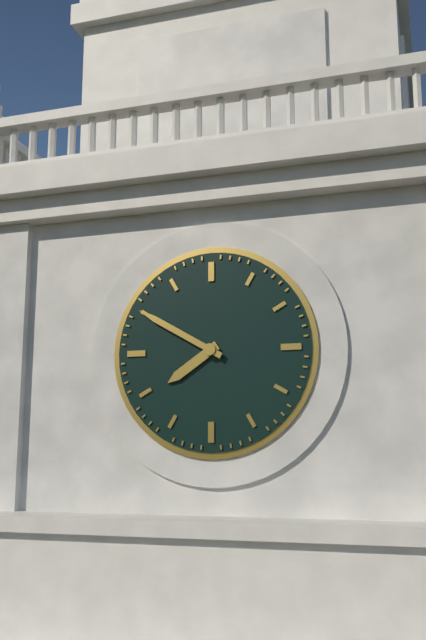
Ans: 7:50
